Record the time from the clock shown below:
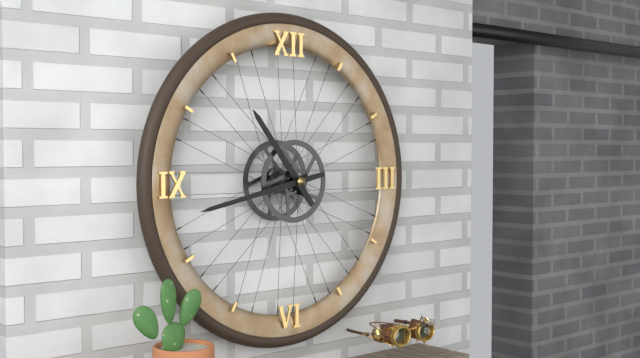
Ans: 10:43
